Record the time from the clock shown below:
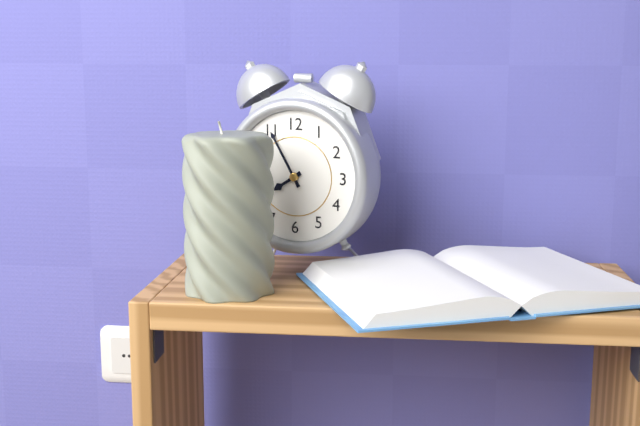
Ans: 7:55
